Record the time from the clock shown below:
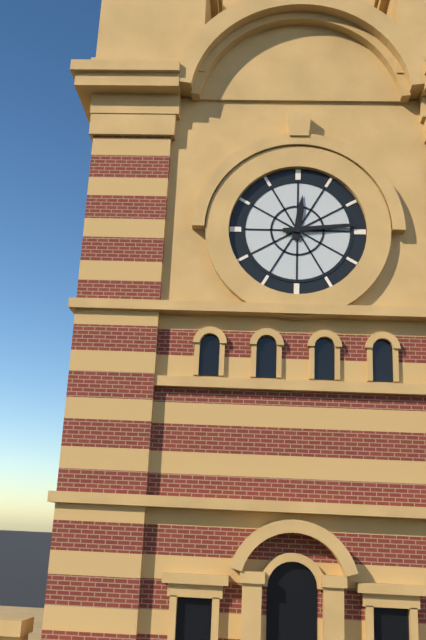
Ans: 12:14
